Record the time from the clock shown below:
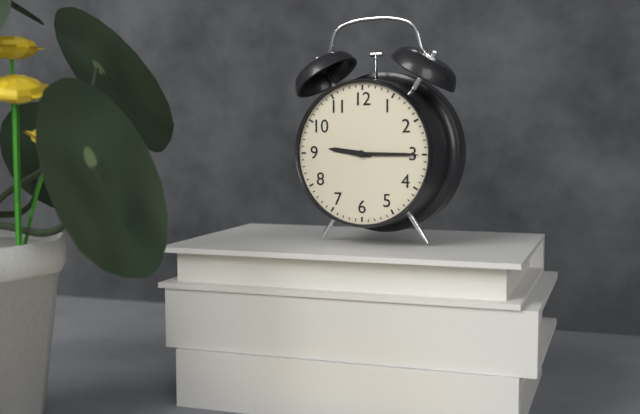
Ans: 9:15
